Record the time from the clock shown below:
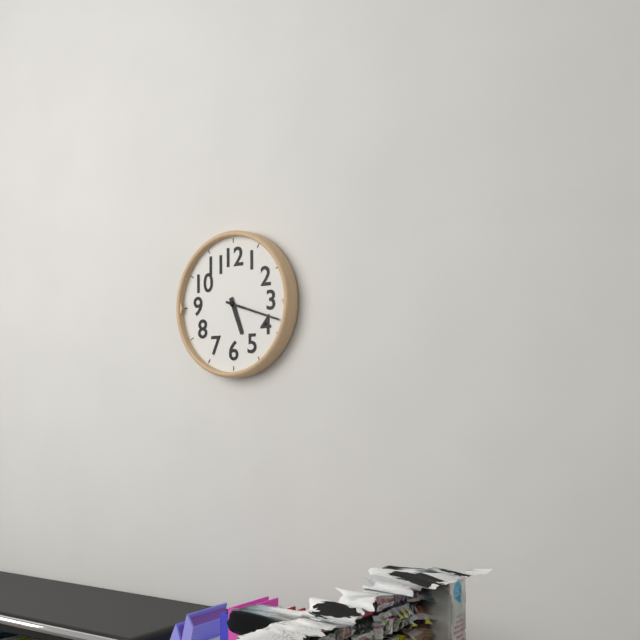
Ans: 5:18
